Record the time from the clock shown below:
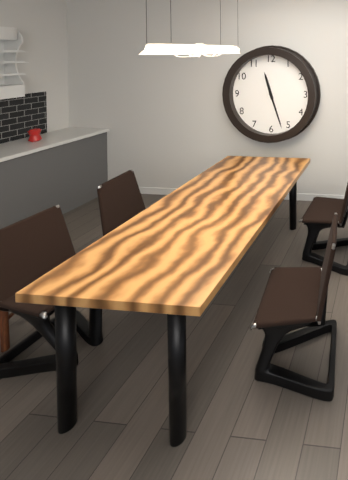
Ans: 11:27
